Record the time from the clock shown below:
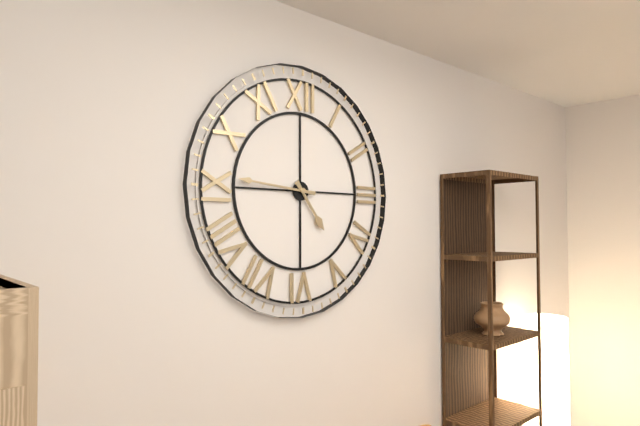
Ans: 4:46
